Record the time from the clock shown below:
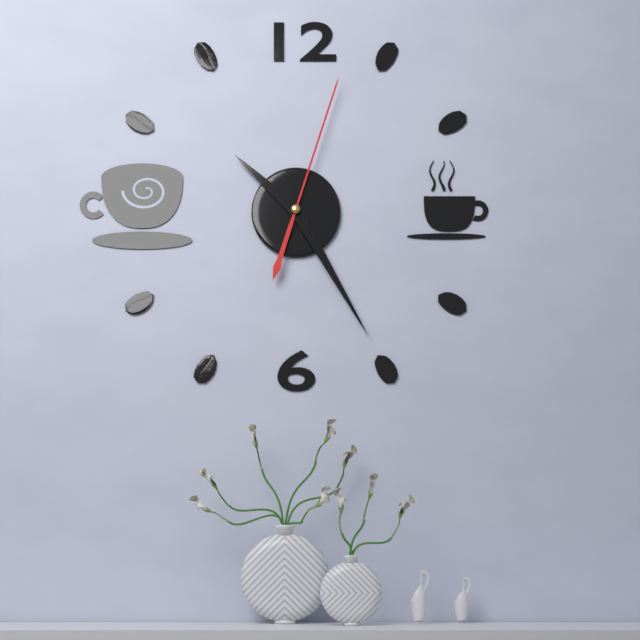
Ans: 10:25:03
